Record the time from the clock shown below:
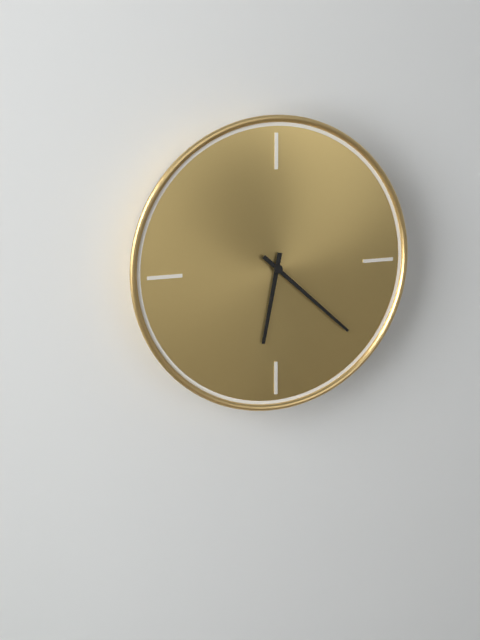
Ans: 6:22
